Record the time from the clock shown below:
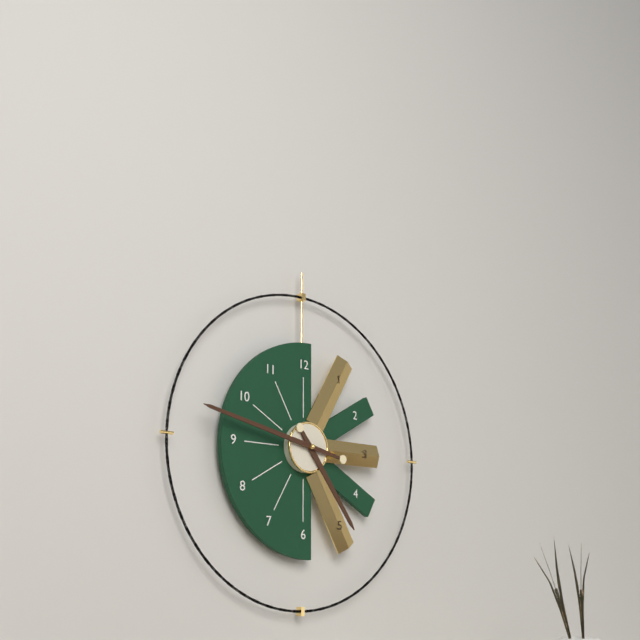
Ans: 4:47
